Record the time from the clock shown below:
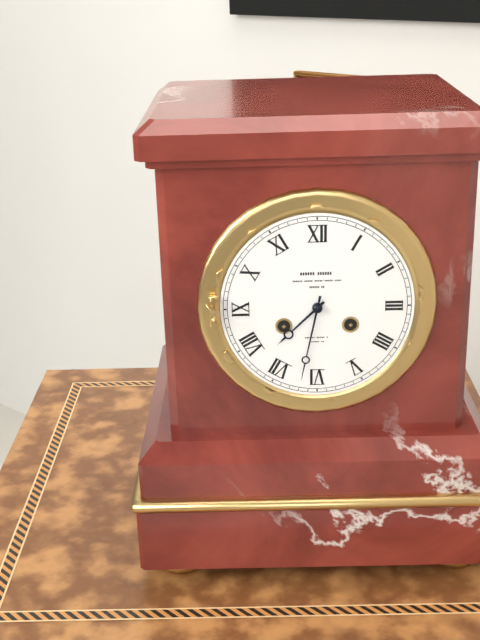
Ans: 7:32
